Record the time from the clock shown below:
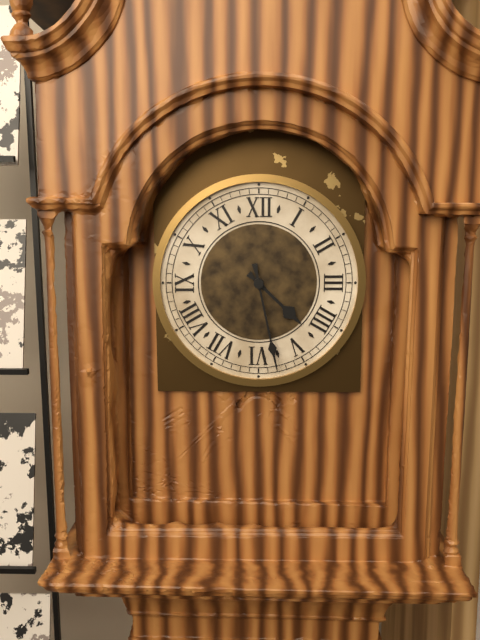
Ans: 4:28
